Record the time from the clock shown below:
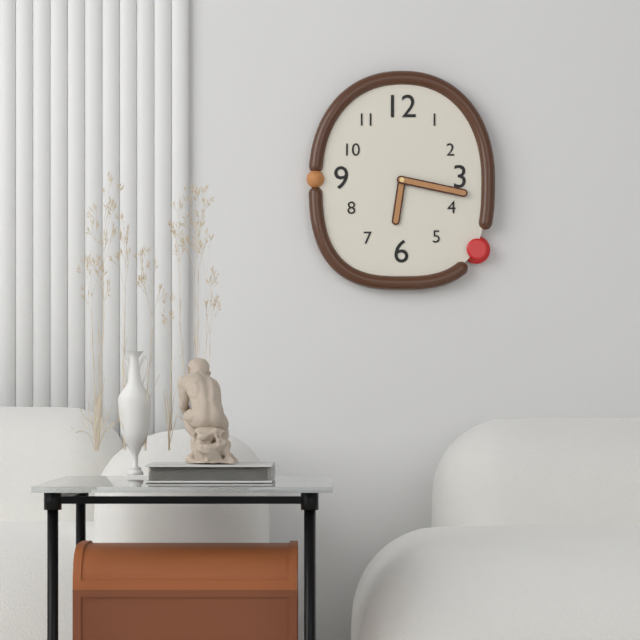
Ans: 6:17
